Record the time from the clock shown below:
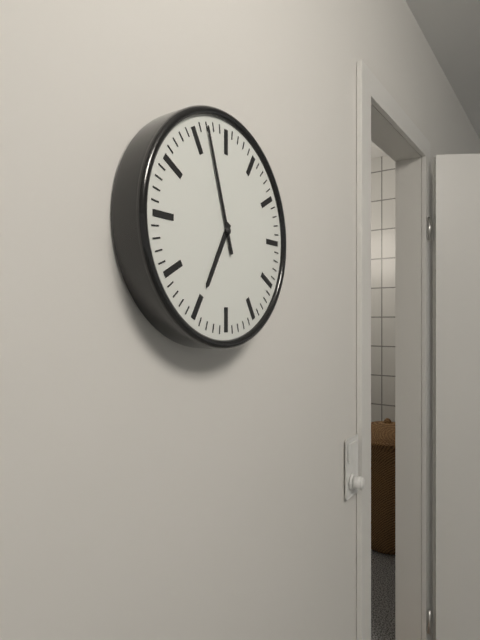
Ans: 6:57
